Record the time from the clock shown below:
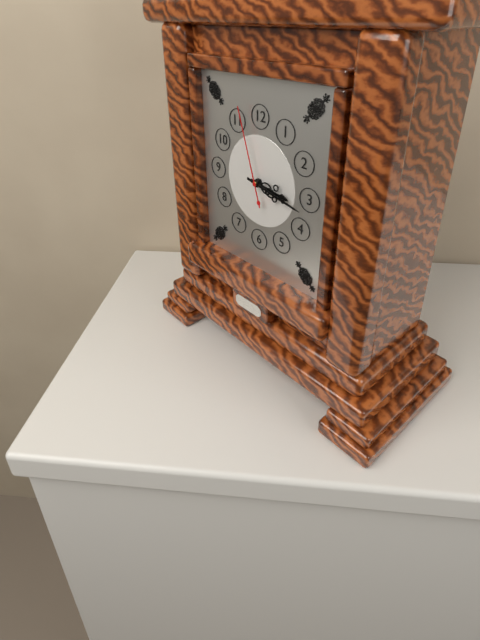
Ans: 3:17:57
